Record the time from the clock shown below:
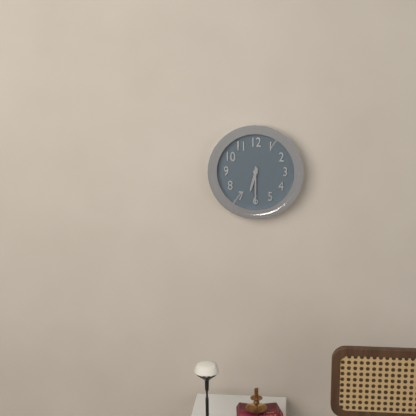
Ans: 6:30
